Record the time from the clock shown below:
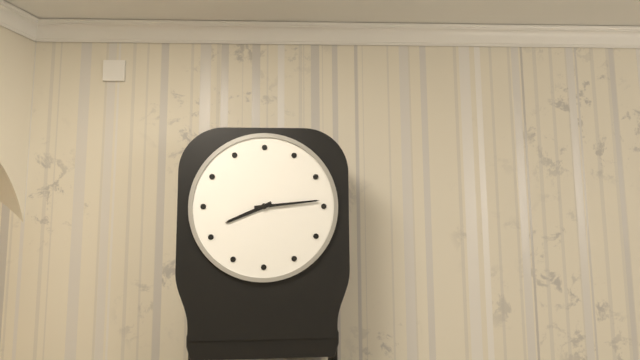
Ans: 8:14
